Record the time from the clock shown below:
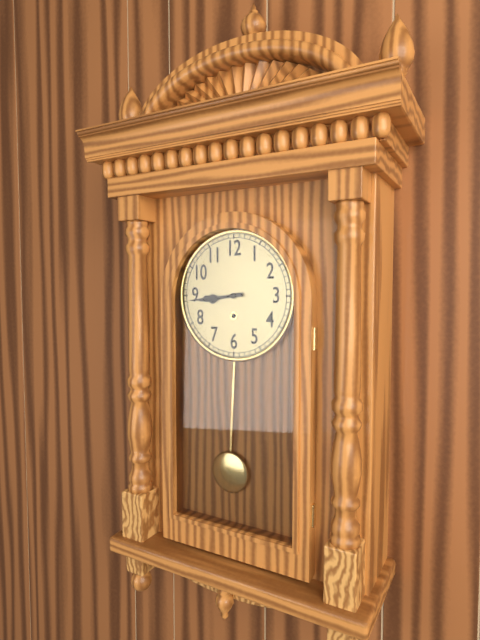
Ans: 8:44
